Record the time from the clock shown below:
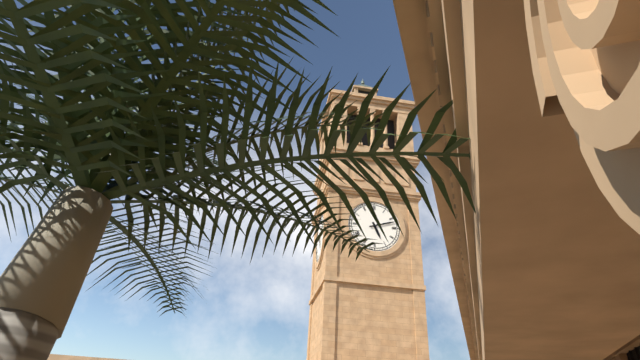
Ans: 5:12
